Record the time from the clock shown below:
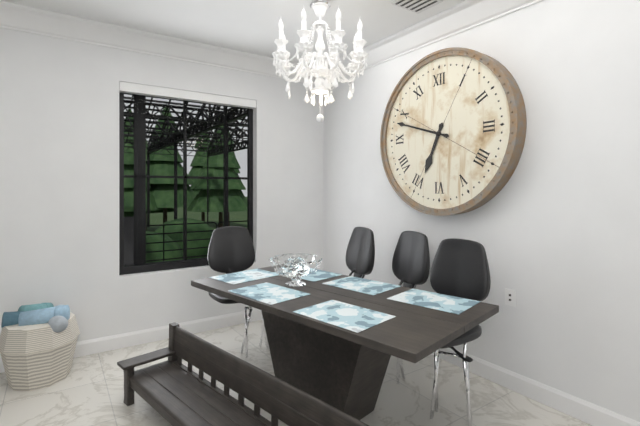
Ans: 6:48
